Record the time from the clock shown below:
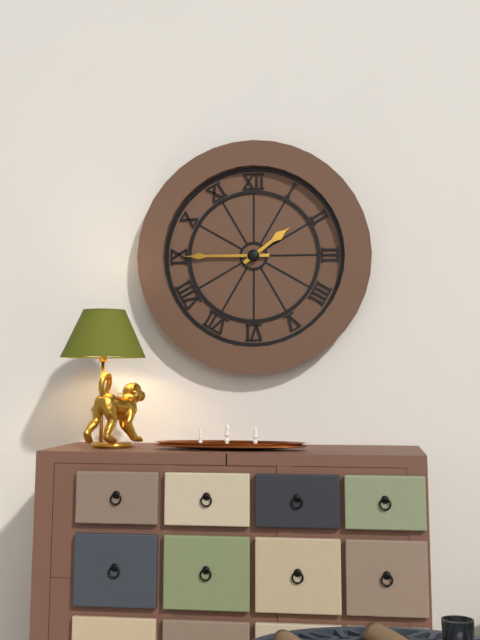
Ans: 1:45
